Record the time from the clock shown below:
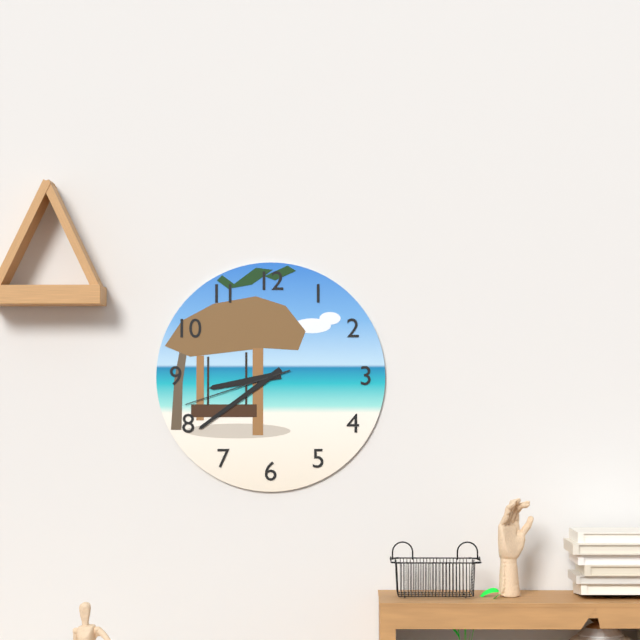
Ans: 8:39:42
